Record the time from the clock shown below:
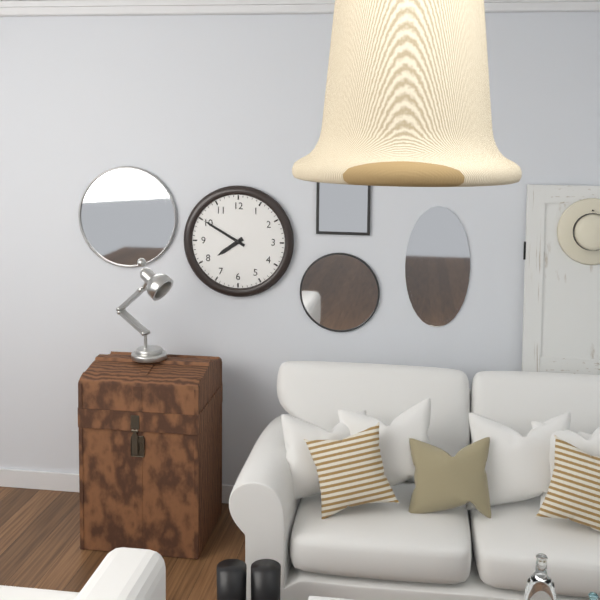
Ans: 7:50
